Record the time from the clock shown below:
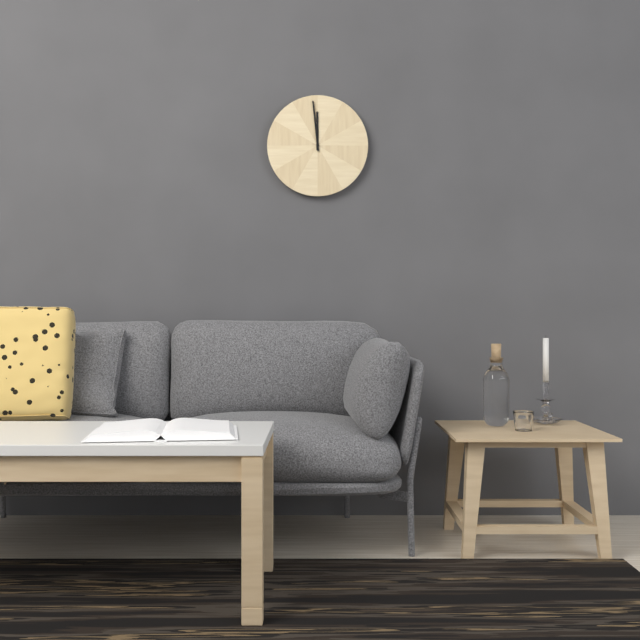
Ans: 11:59
